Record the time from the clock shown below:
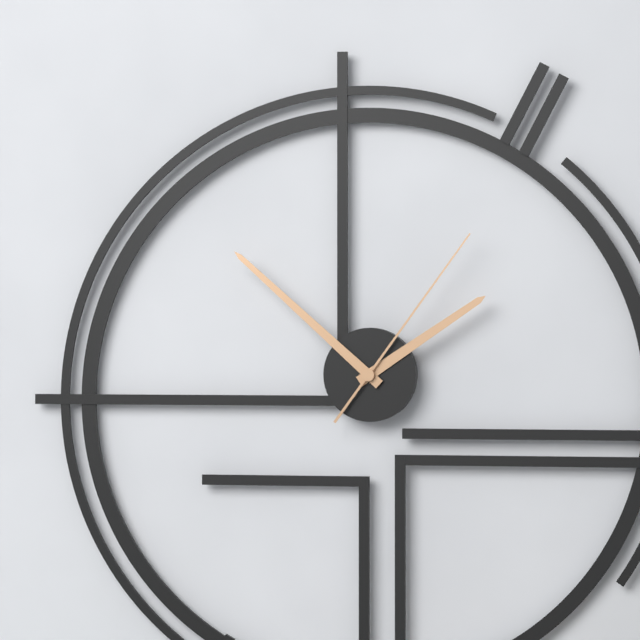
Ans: 1:52:06
